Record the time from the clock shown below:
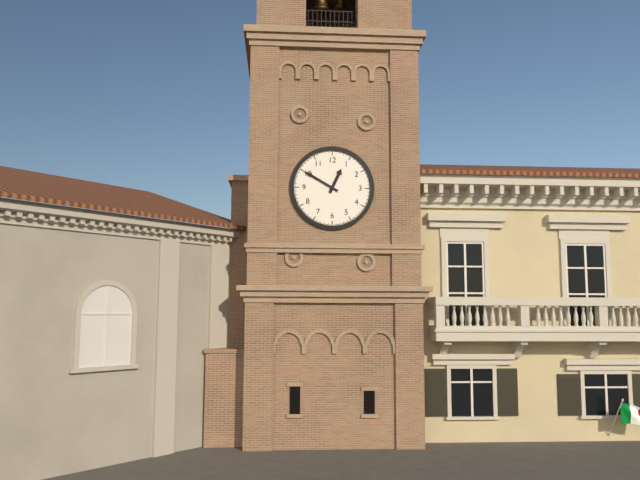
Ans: 12:50
